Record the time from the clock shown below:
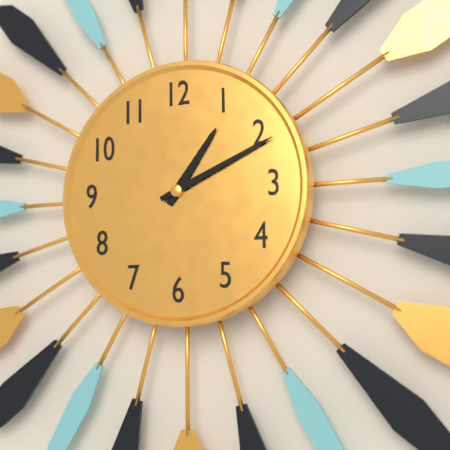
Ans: 1:11
